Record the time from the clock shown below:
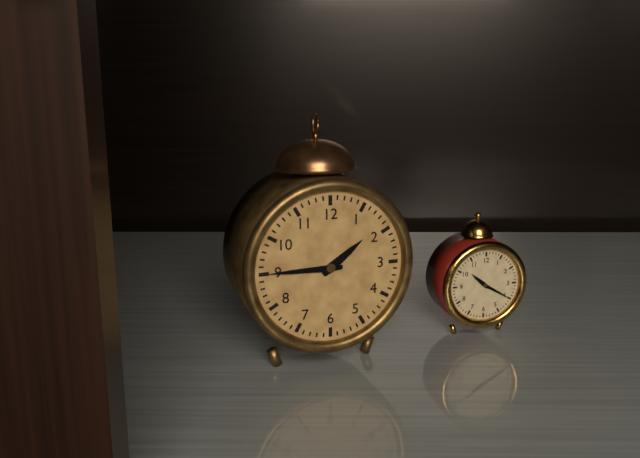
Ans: 1:45
